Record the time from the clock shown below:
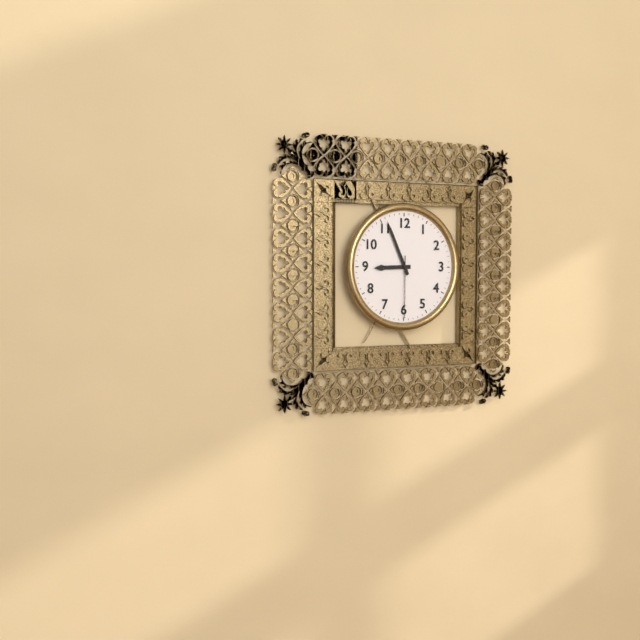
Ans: 8:56:30
